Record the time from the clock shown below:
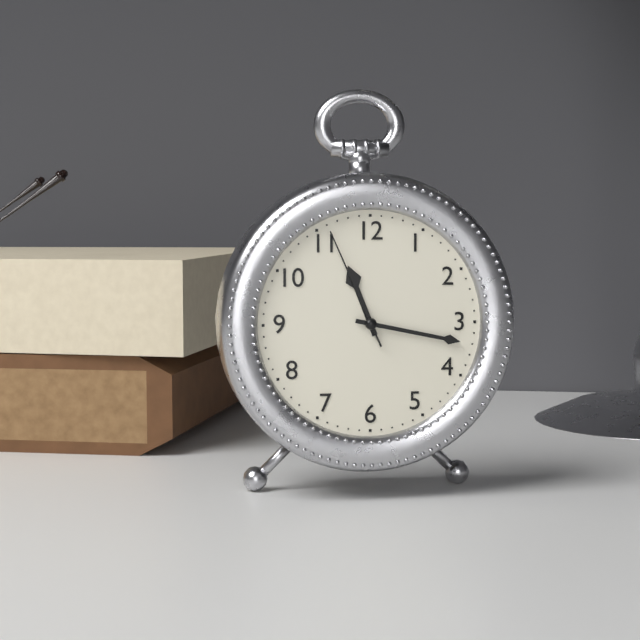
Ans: 11:17:56
